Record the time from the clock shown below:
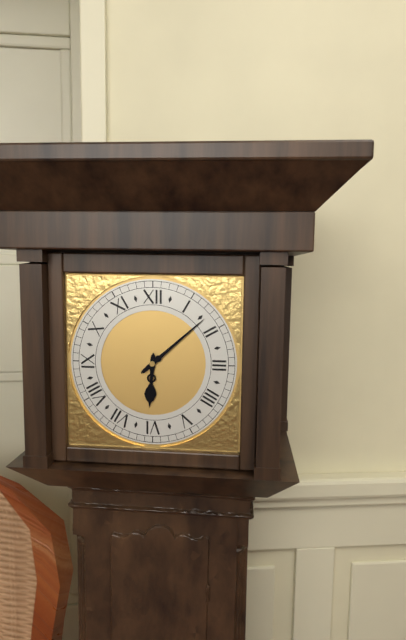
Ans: 6:08
